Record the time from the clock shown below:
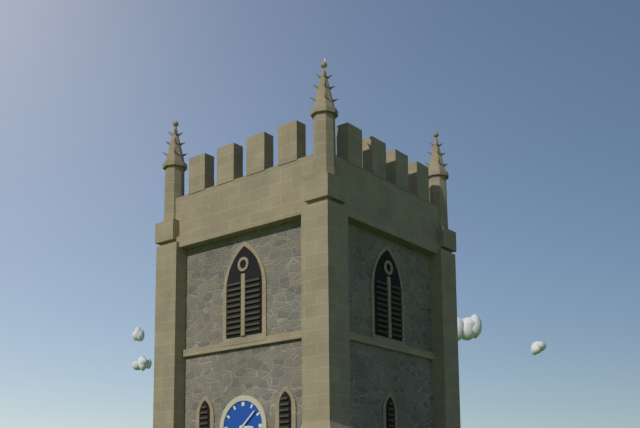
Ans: 3:08
